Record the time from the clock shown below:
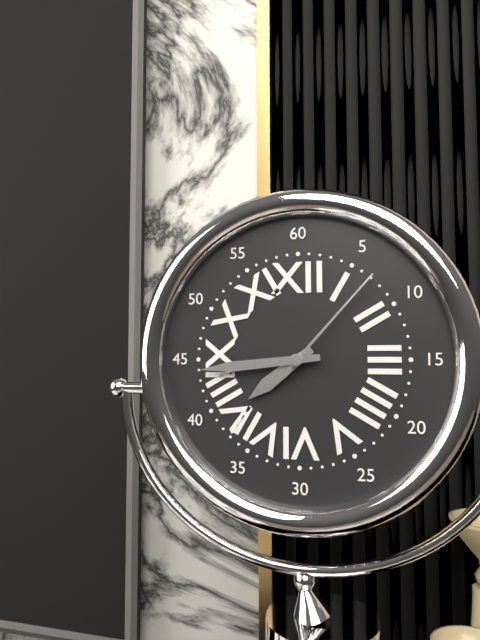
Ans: 7:44:07
